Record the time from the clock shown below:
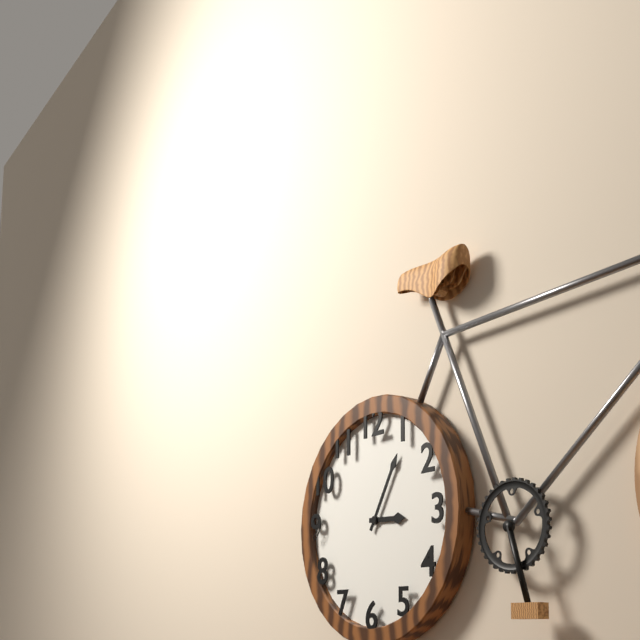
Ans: 3:05
